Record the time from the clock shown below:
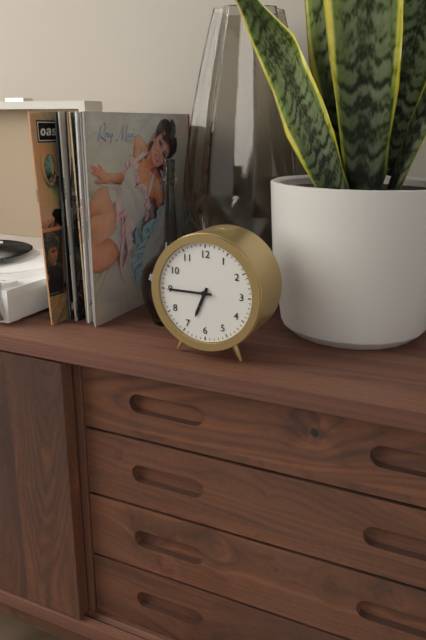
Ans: 6:45
